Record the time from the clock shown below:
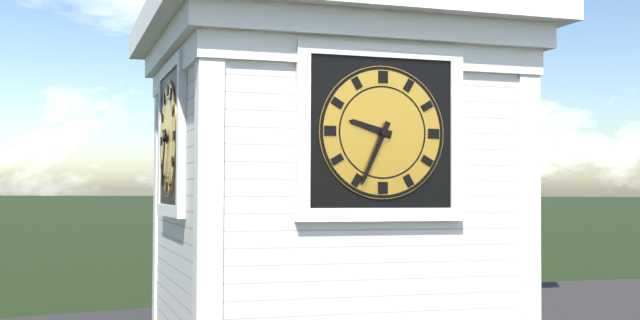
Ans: 9:34
